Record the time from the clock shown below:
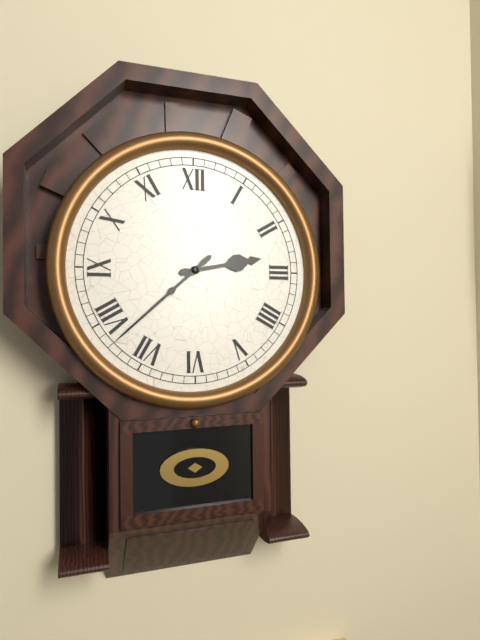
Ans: 2:38
